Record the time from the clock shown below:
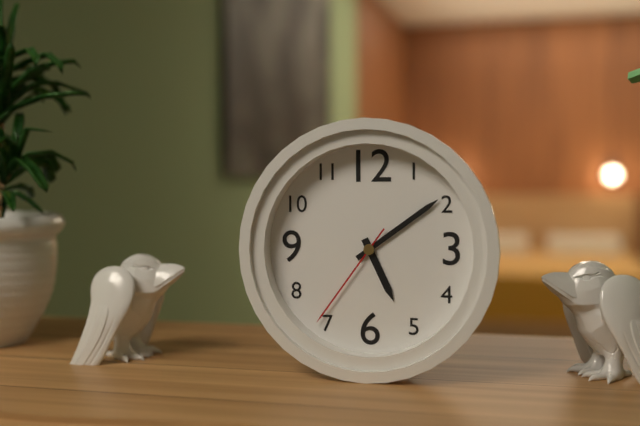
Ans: 5:09:36
